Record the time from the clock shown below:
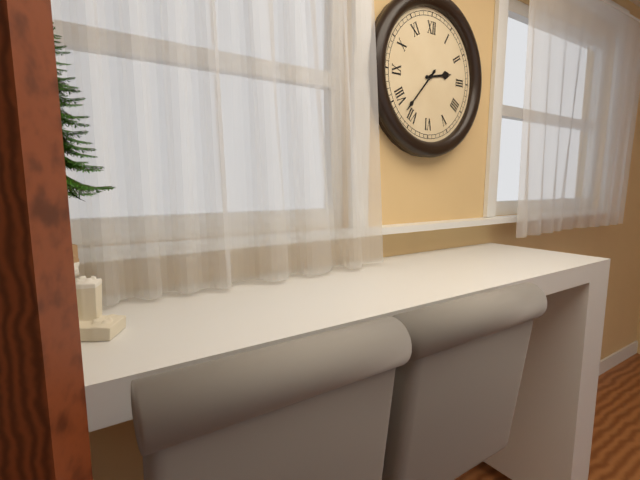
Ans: 2:37
